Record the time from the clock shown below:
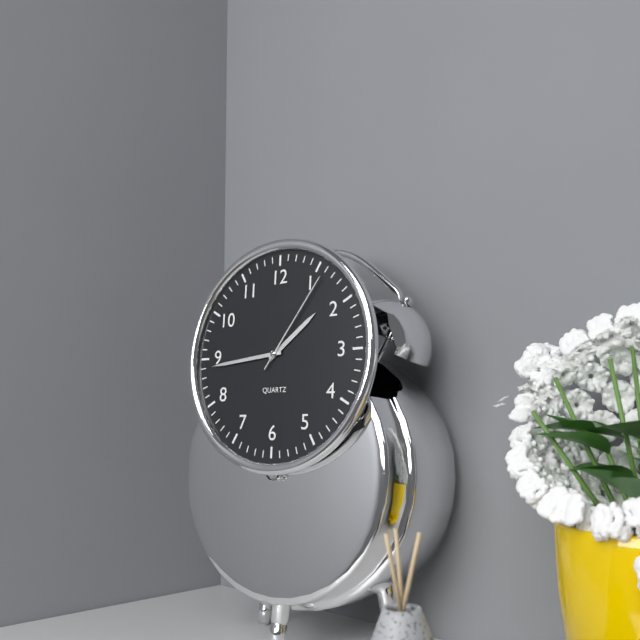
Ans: 1:44:06
